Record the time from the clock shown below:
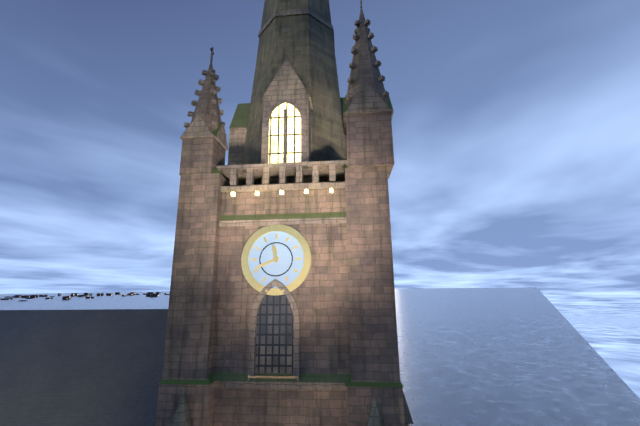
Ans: 11:41
